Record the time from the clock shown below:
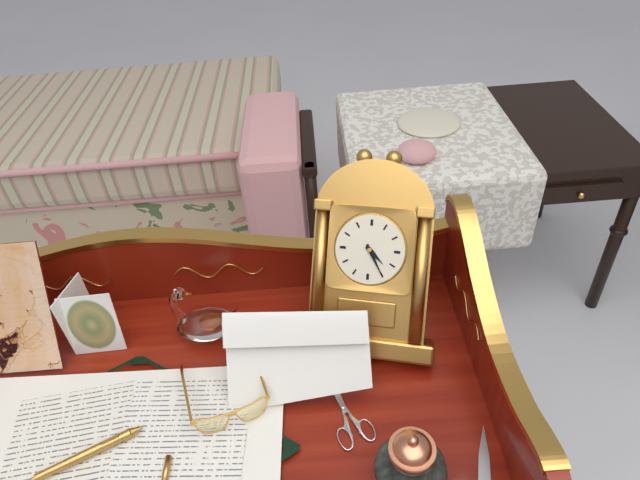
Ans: 4:25
